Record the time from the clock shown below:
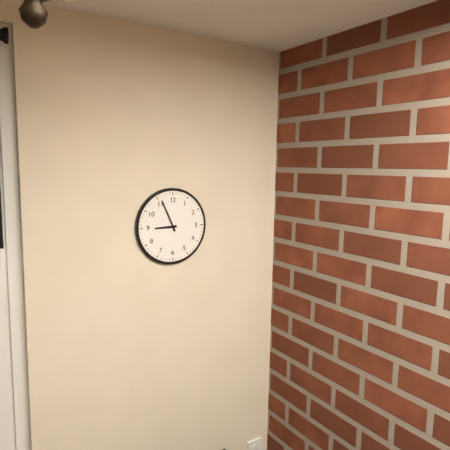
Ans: 8:56
